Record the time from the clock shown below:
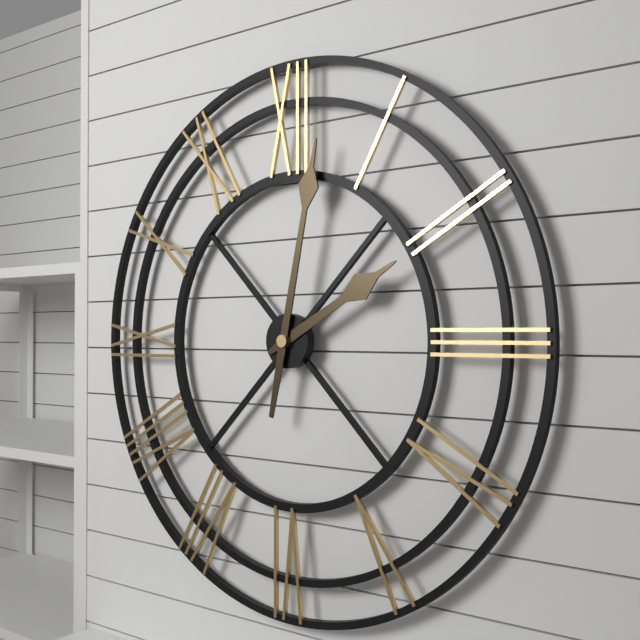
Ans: 2:02
